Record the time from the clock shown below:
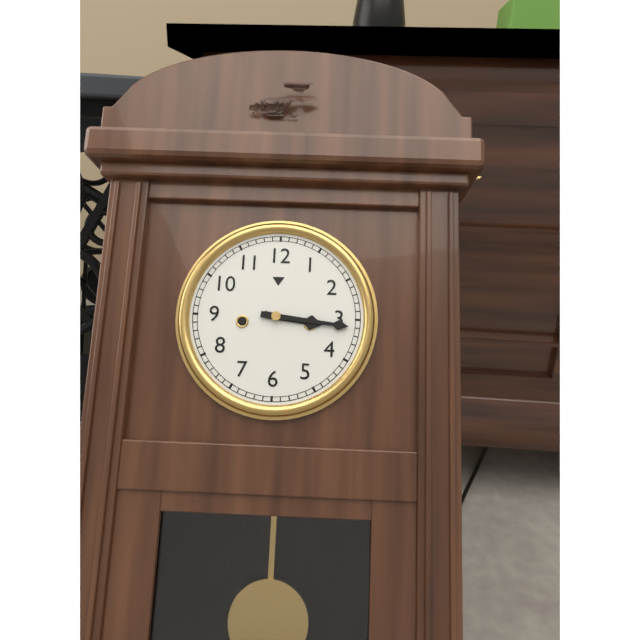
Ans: 3:16
